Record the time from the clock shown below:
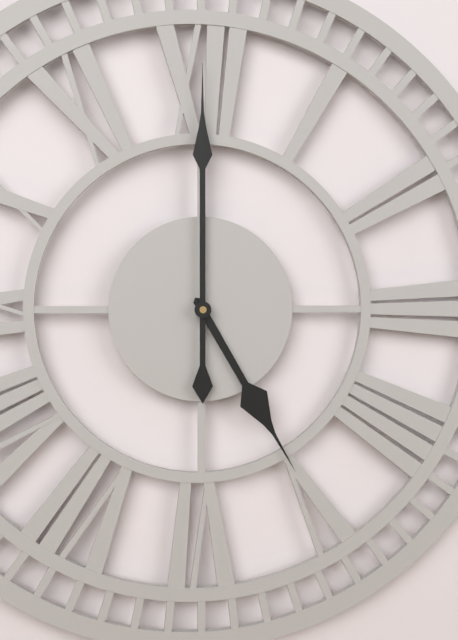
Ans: 5:00
